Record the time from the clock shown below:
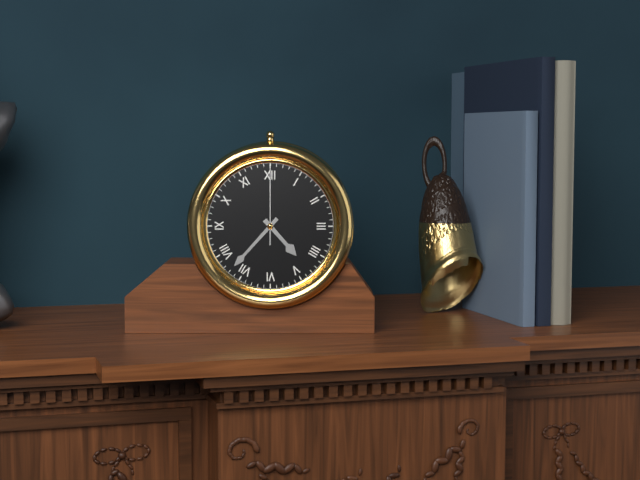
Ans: 4:37:00
